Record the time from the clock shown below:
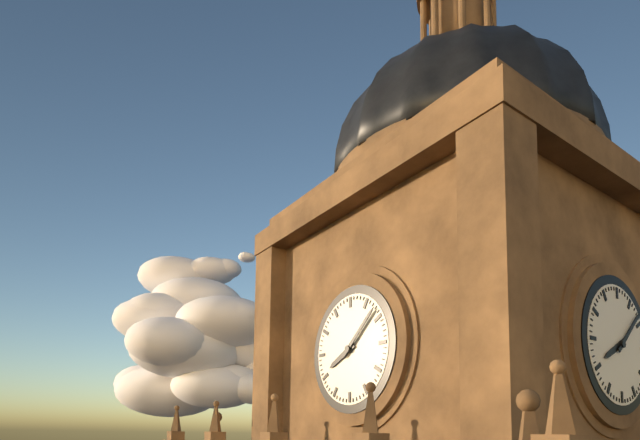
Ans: 8:08
